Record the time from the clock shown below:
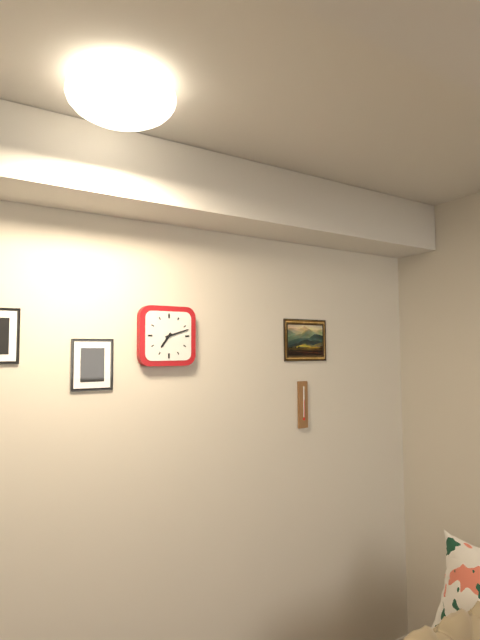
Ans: 7:12
